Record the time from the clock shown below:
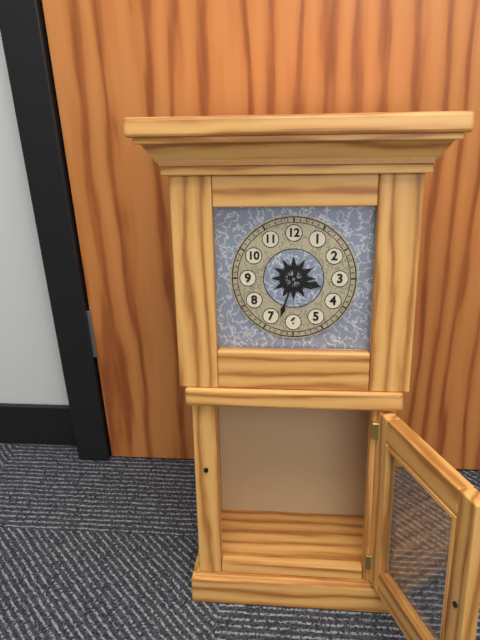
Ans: 3:33
